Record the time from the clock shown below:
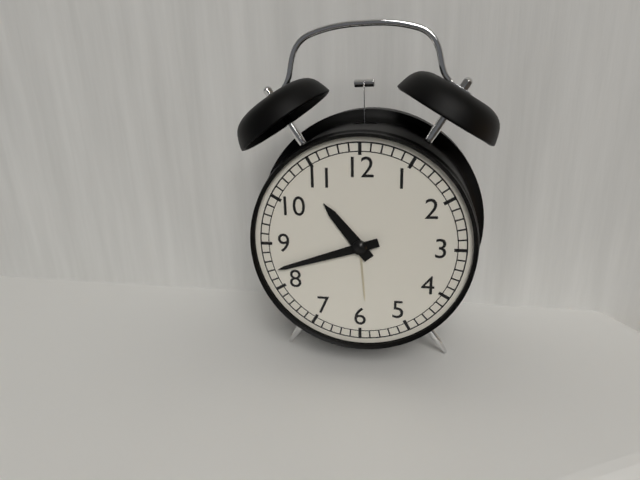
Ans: 10:42
